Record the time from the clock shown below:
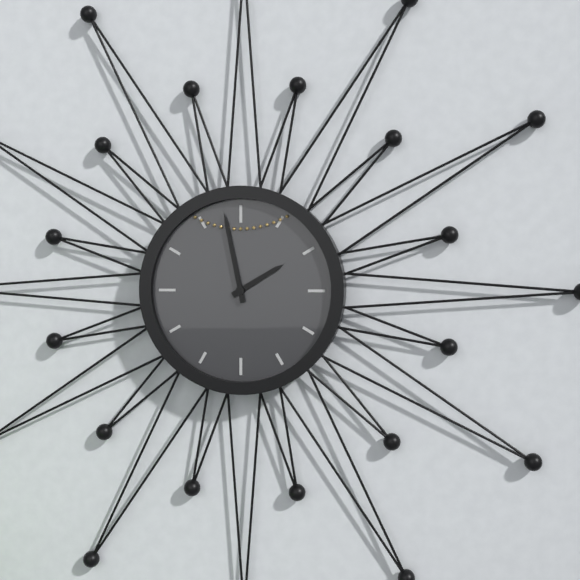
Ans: 1:58
